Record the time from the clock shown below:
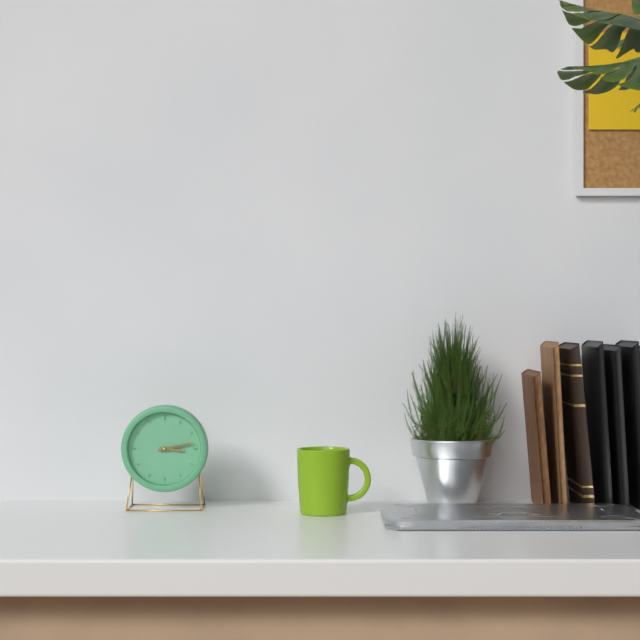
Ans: 3:13
